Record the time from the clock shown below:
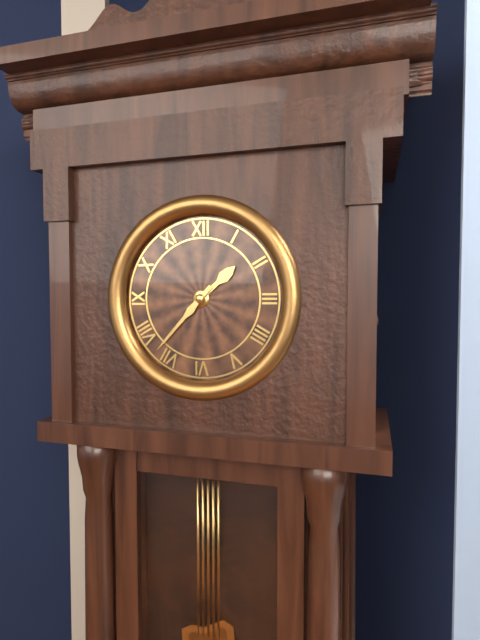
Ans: 1:37
